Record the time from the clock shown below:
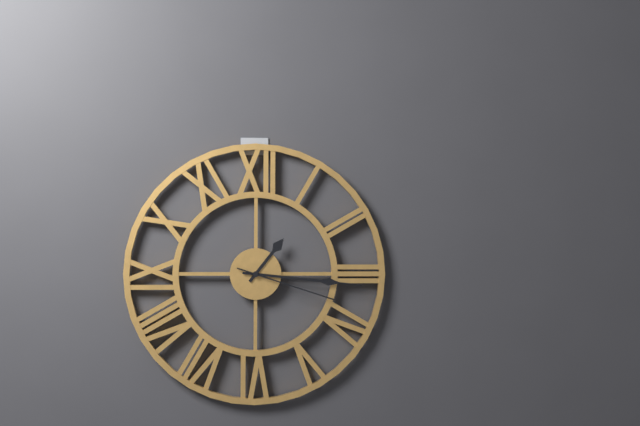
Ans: 1:16:18
